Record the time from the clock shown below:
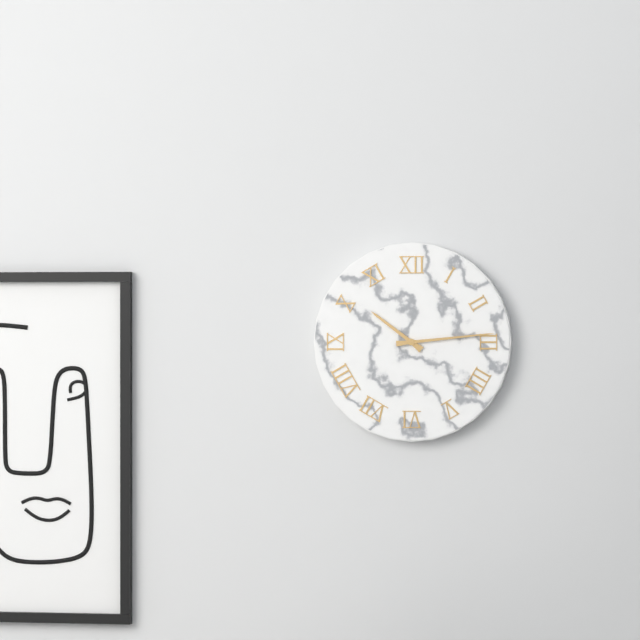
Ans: 10:14
